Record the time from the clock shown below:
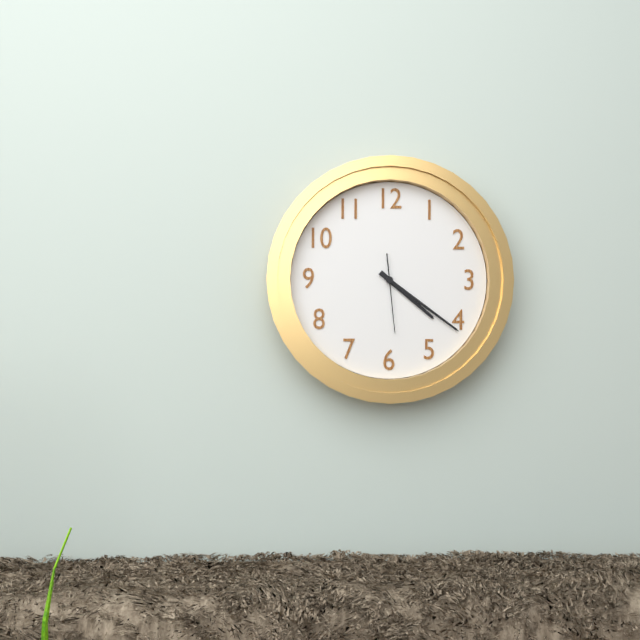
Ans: 4:21:29
